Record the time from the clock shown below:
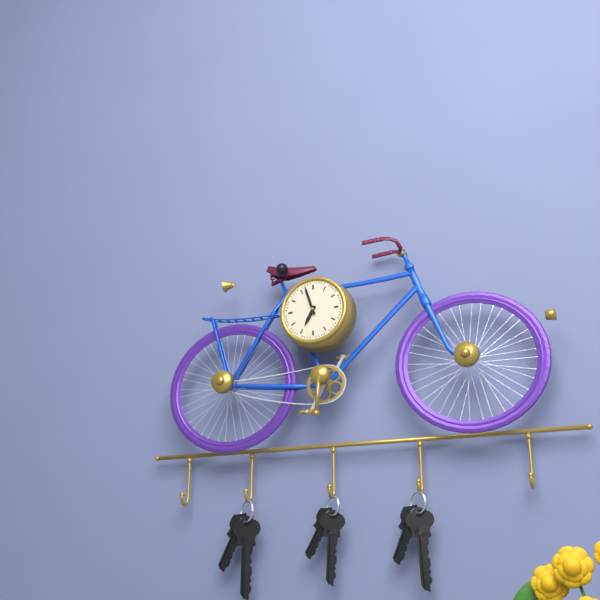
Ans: 6:57
